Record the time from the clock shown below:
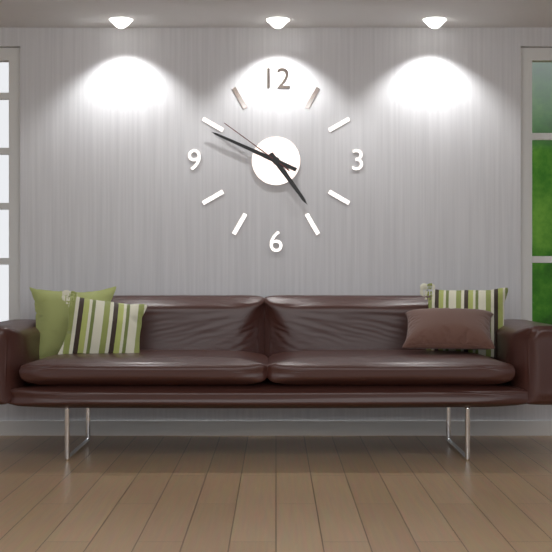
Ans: 4:49:51
